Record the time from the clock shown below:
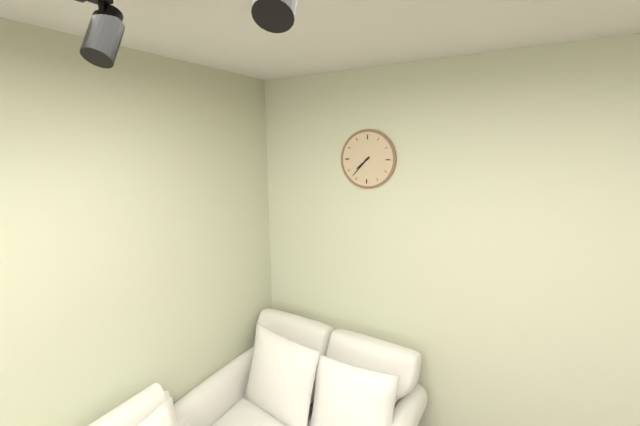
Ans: 7:37
